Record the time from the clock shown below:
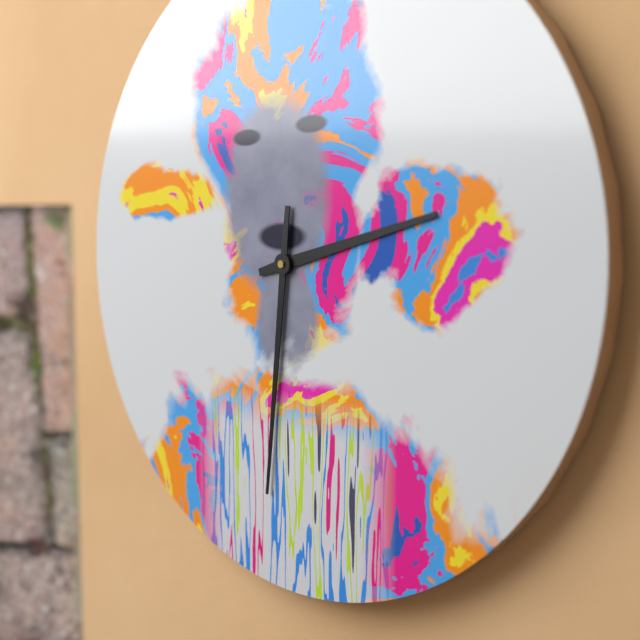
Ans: 2:31
